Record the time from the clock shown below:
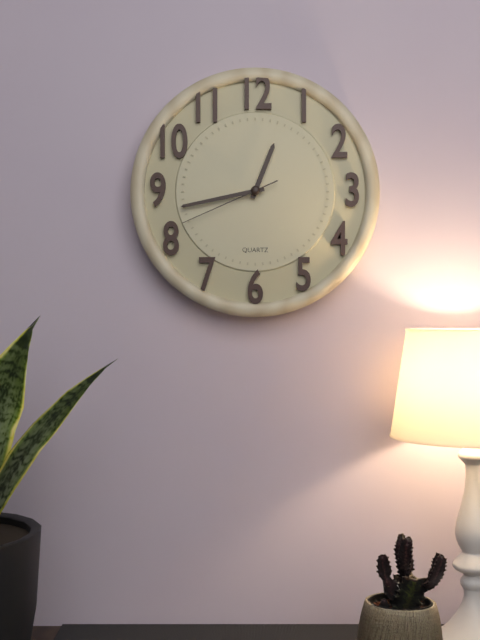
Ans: 12:43:41
